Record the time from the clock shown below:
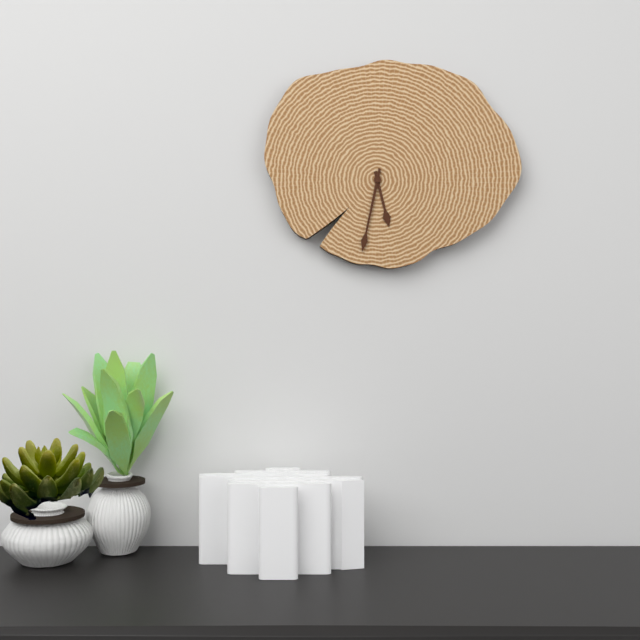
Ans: 5:32
